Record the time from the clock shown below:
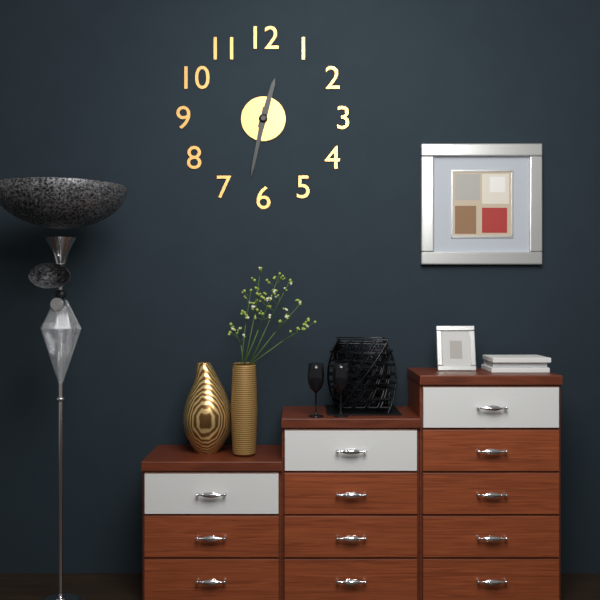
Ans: 12:32
